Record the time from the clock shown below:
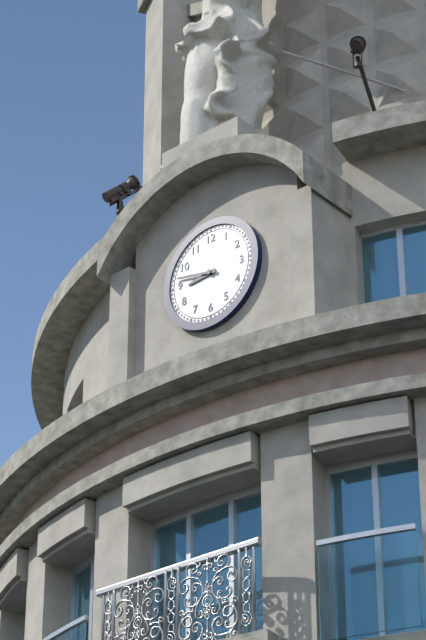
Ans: 8:47
